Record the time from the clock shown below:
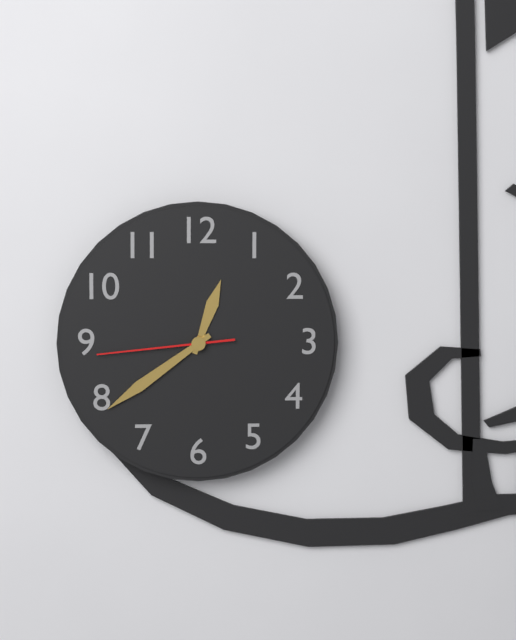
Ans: 12:39:44
